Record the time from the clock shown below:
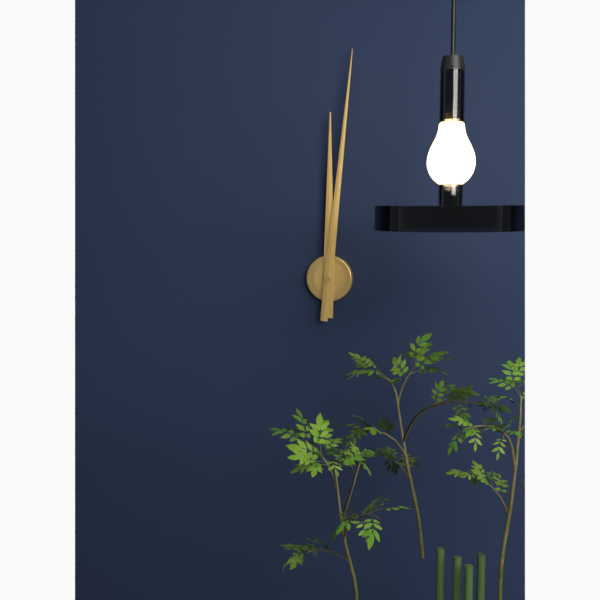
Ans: 12:01
